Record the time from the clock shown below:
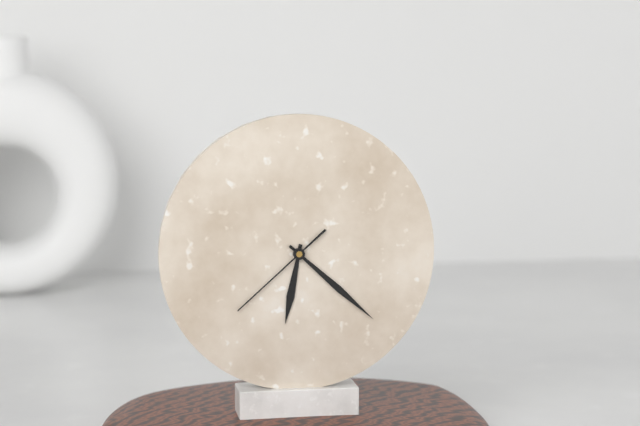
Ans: 6:22:38
